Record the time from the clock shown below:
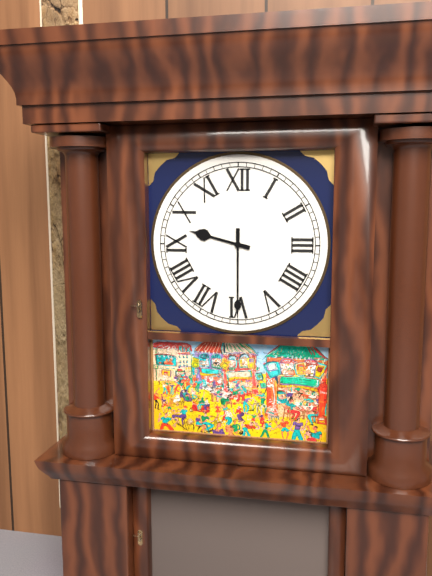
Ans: 9:30
